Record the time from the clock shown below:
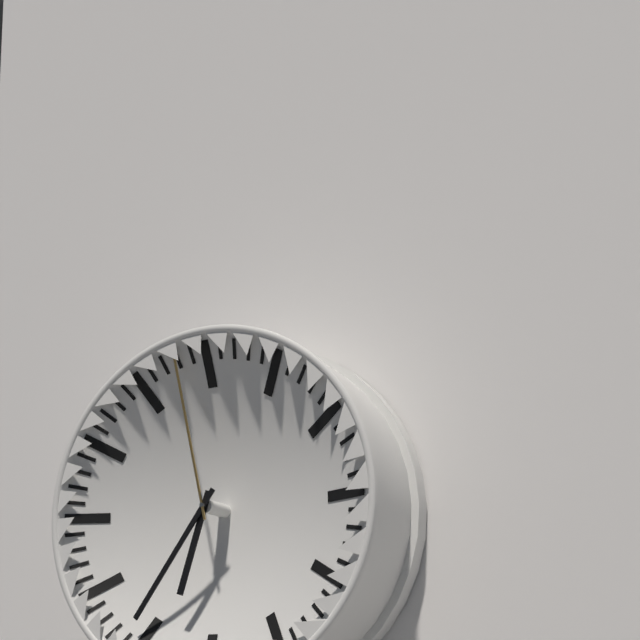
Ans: 6:36:58
